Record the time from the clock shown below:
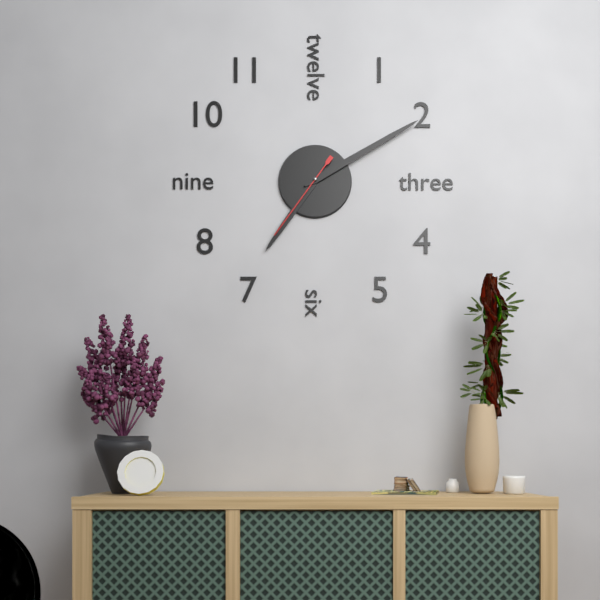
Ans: 7:10:36
